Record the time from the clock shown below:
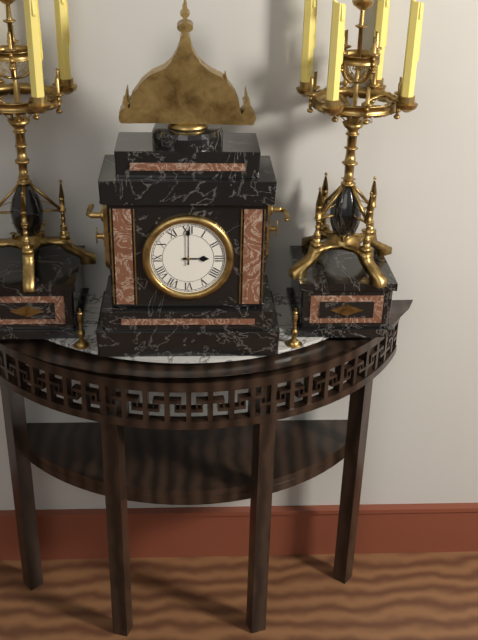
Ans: 3:00
